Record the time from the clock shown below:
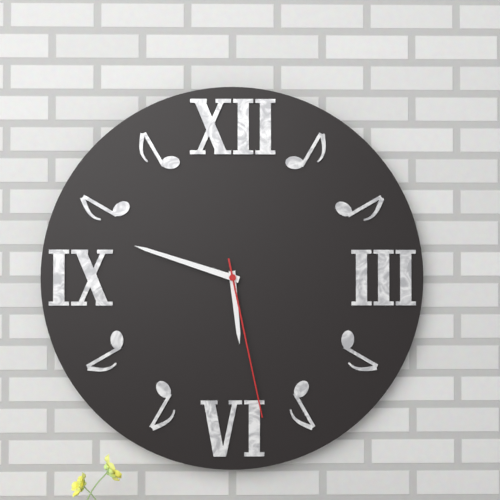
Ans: 5:48:28
